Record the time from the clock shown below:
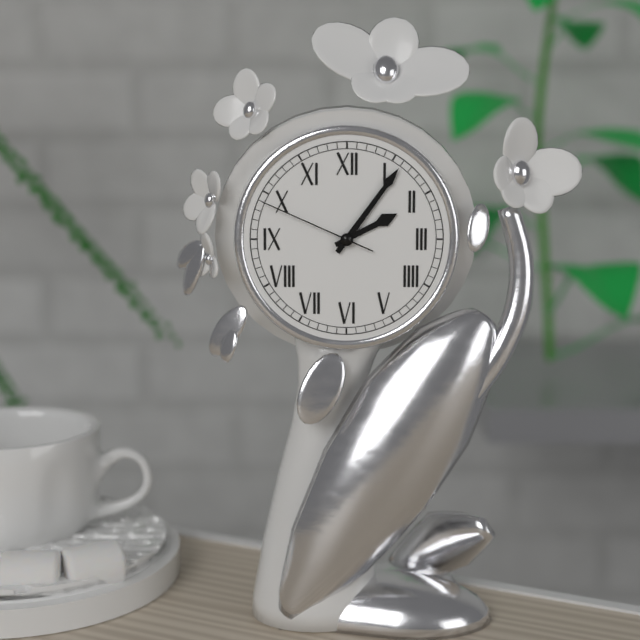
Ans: 2:06:49
